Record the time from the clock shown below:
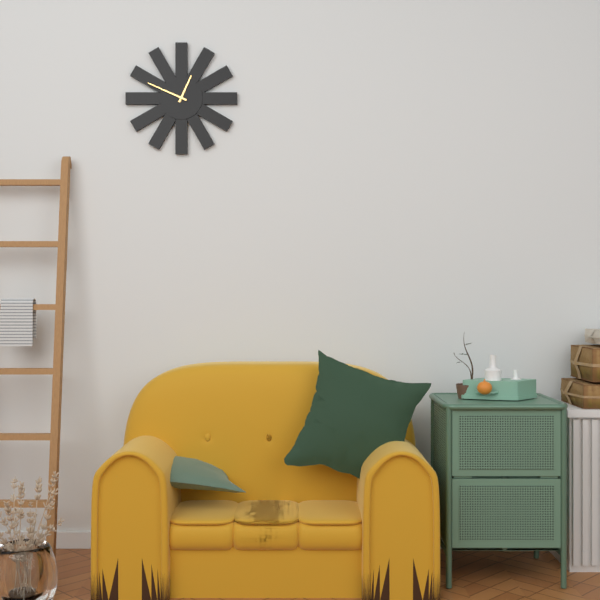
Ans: 12:49
